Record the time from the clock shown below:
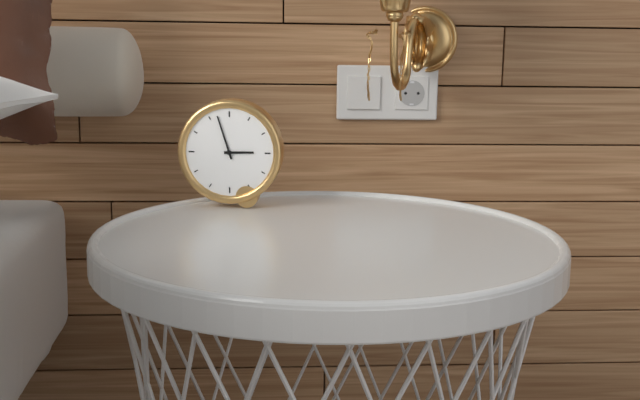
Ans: 2:57
